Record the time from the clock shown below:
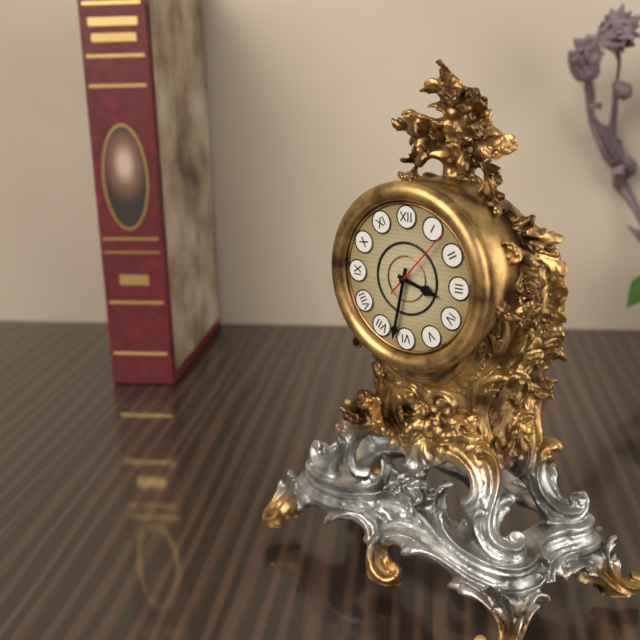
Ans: 3:32:07
